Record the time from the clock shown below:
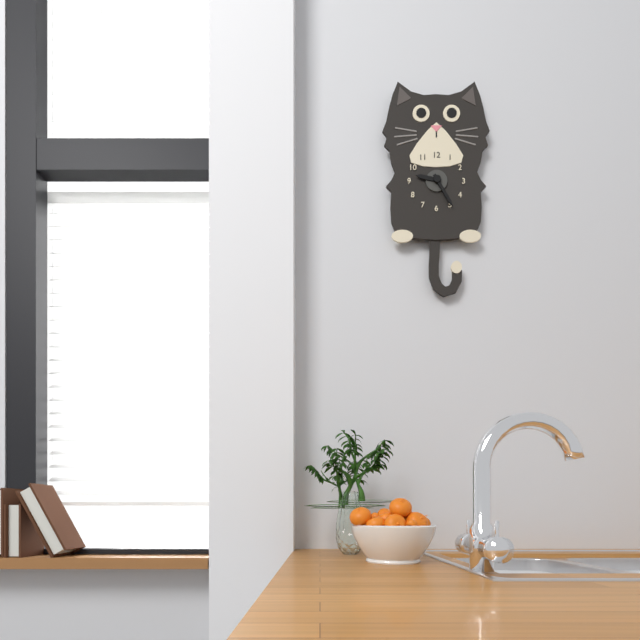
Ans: 9:25
